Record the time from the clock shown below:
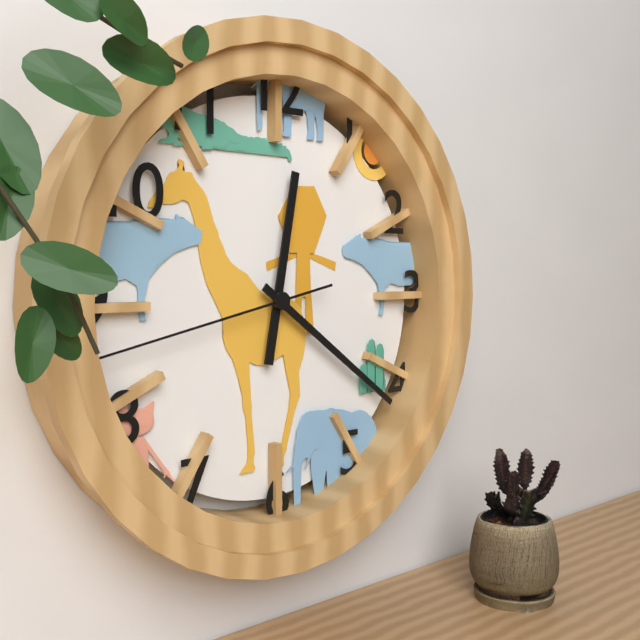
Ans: 12:21:43
